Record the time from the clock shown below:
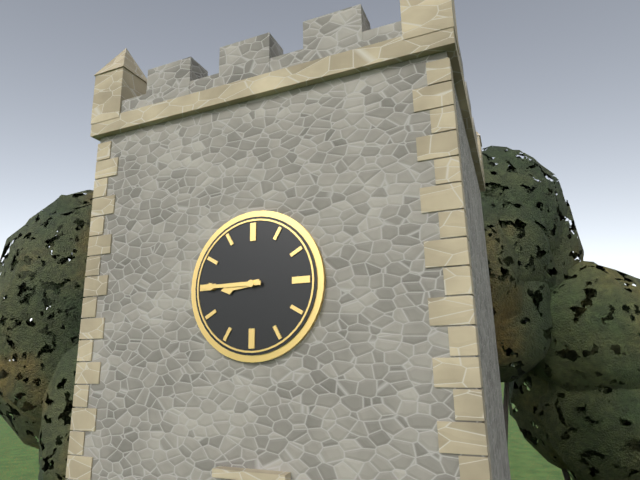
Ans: 8:45
